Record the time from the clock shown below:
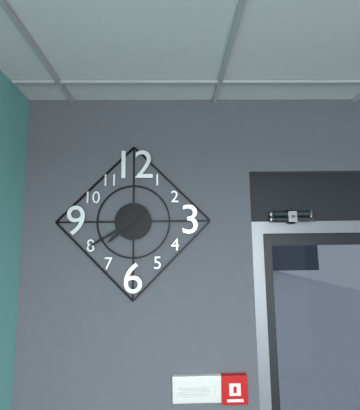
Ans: 7:40
